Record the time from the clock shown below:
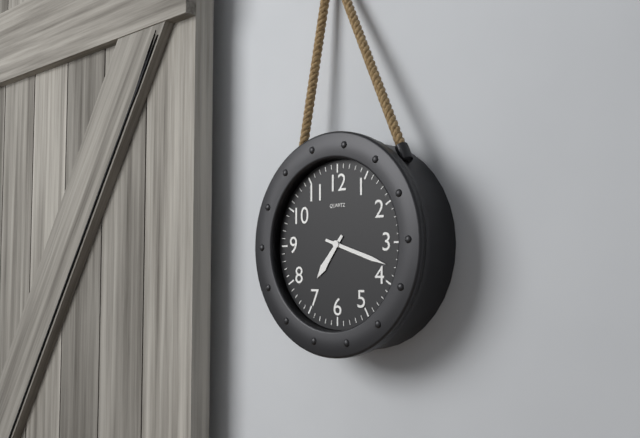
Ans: 7:18
